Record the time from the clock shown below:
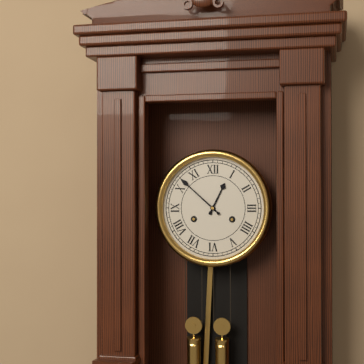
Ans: 12:52
